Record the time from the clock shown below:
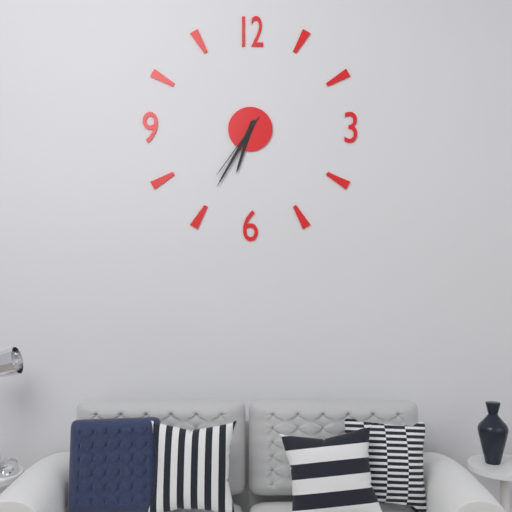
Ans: 6:35:36
